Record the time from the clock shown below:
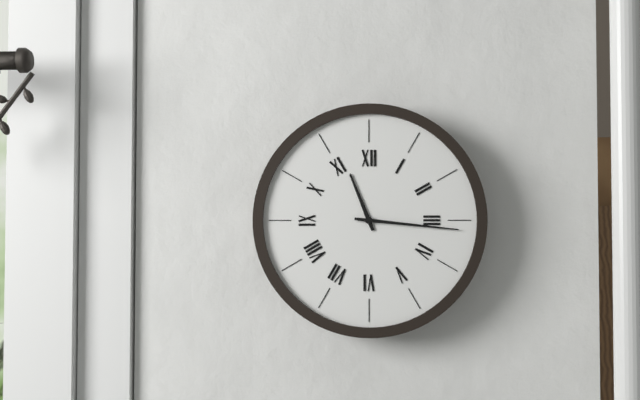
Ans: 11:16
